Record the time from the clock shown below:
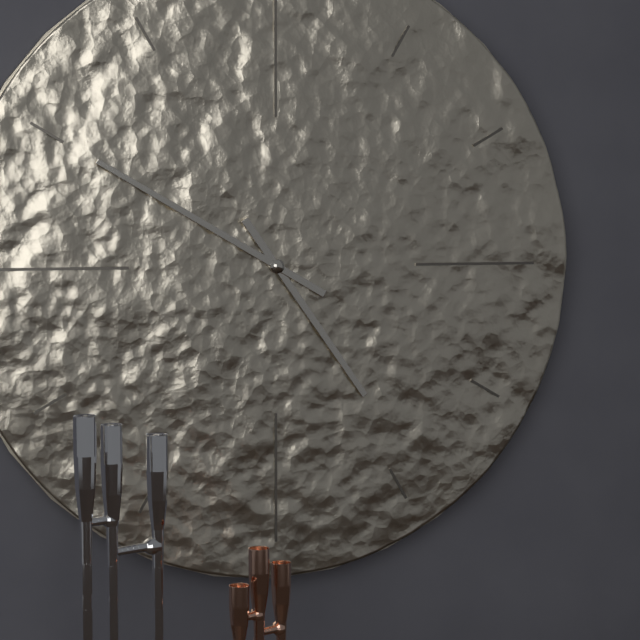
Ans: 4:50
